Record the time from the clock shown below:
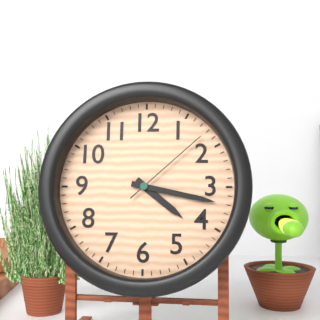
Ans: 4:17:08
